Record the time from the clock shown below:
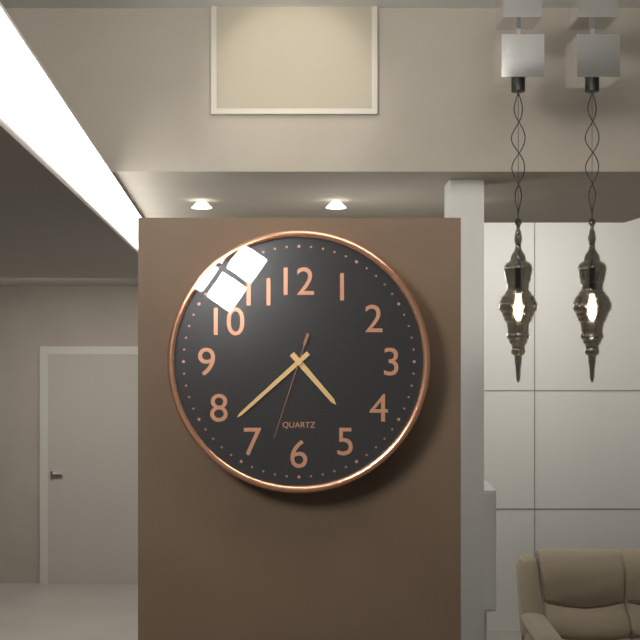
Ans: 4:38:33
